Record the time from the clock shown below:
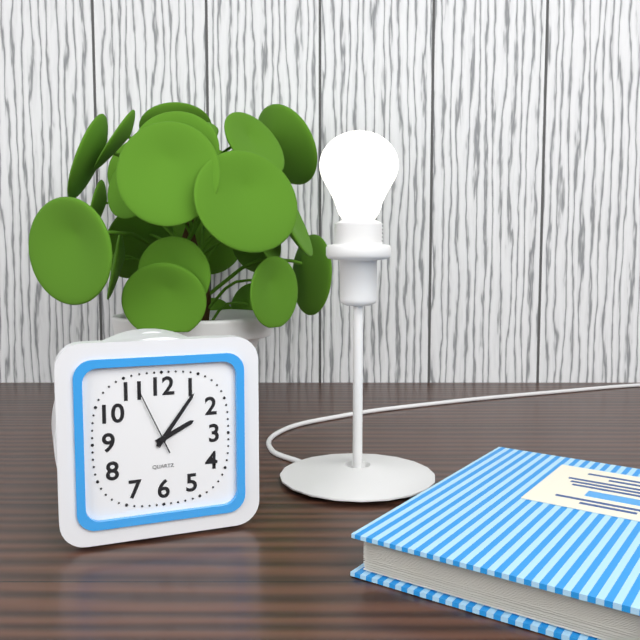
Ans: 2:06:56
